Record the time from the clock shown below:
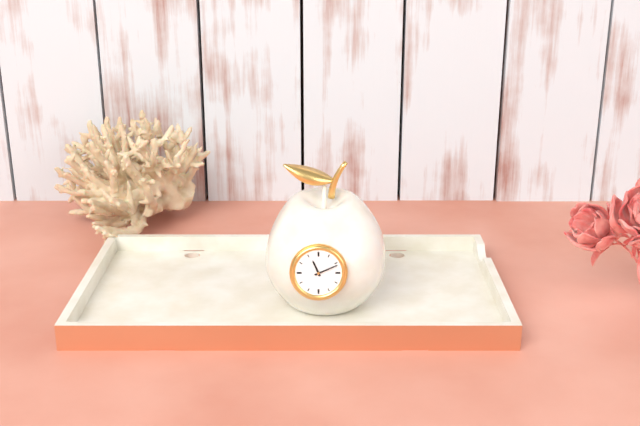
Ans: 11:11
